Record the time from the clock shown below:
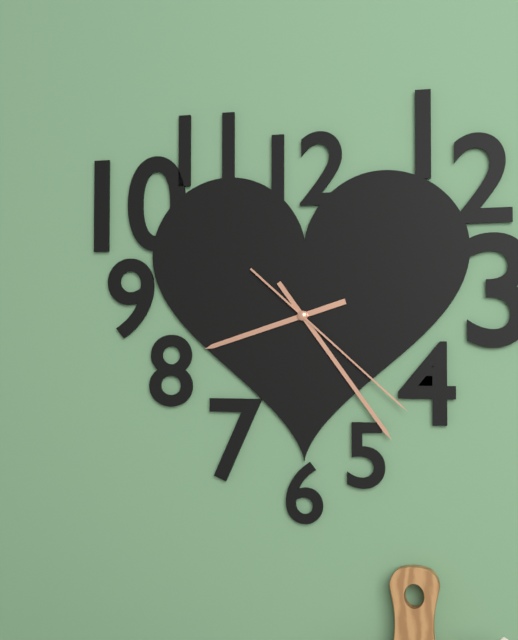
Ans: 8:24:22
